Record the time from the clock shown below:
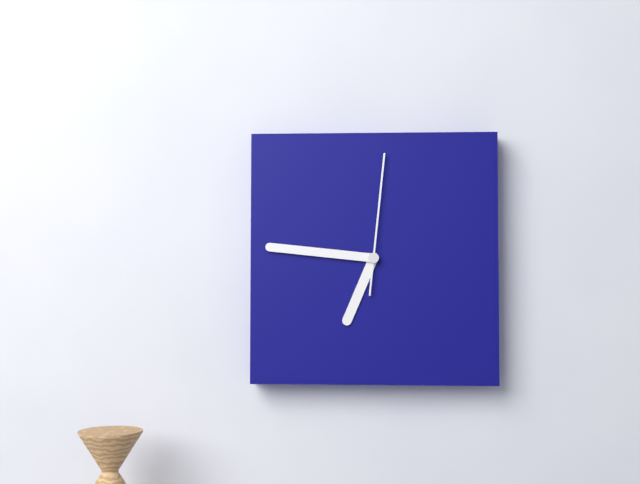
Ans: 6:46:01
